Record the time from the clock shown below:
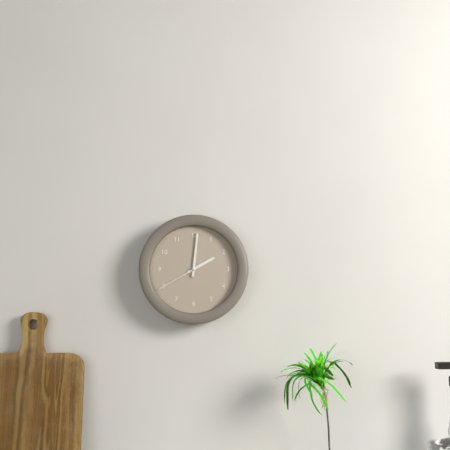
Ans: 2:01:40
